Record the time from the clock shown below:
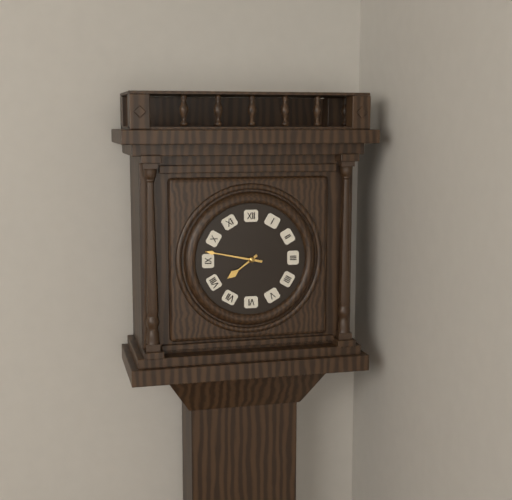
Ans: 7:47
